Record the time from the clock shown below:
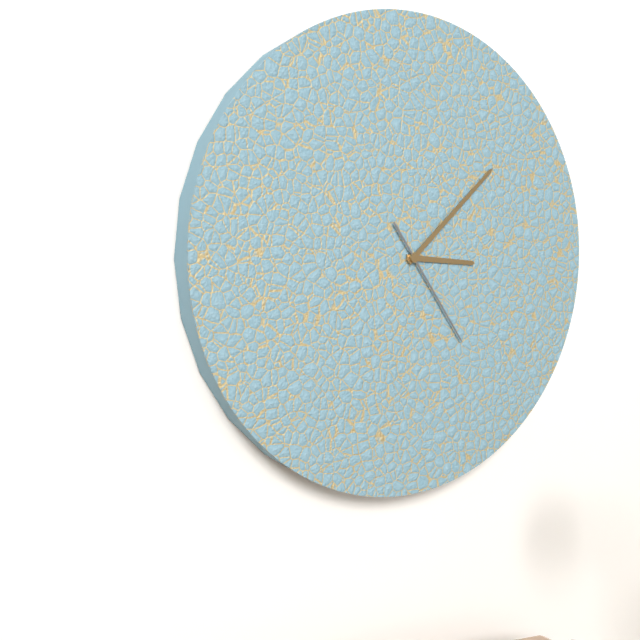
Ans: 3:08:24
